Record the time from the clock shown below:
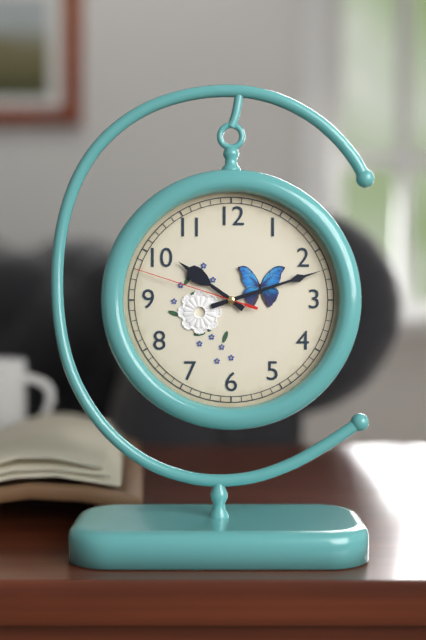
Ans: 10:12:48
